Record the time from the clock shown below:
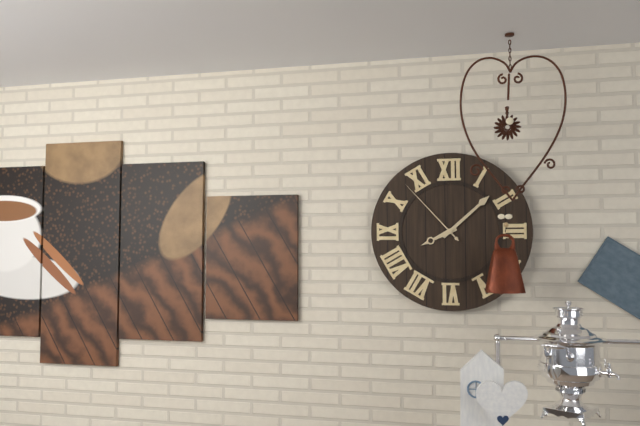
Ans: 8:08:53
